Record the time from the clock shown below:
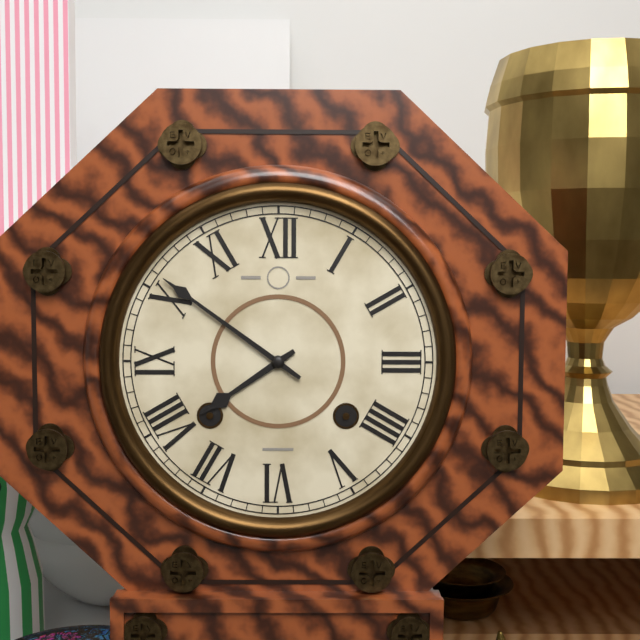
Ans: 7:51
